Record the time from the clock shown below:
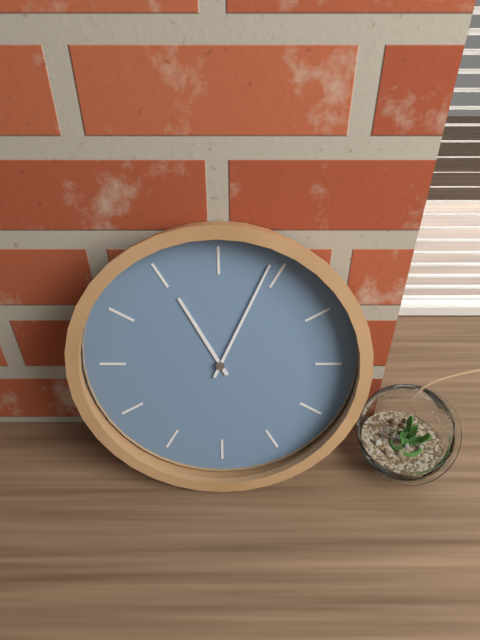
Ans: 11:04
